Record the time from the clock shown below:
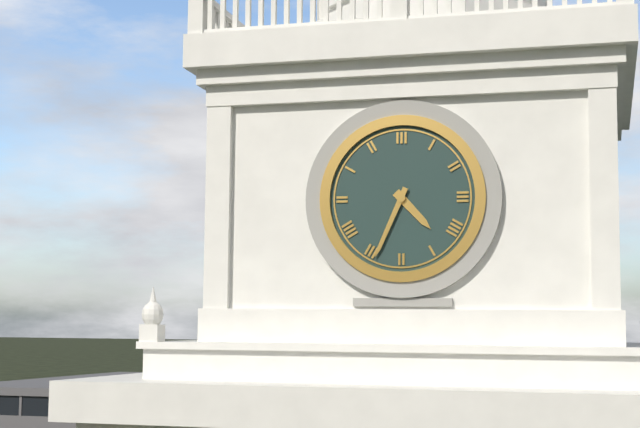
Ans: 4:34
